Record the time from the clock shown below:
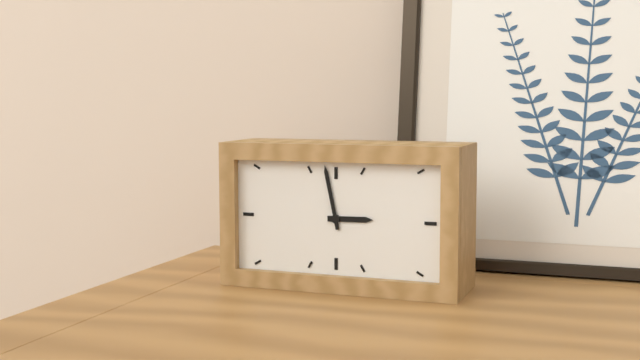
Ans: 2:58
